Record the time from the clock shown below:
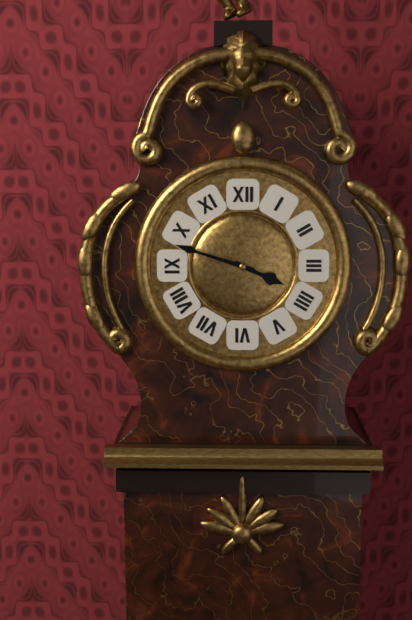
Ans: 3:48
